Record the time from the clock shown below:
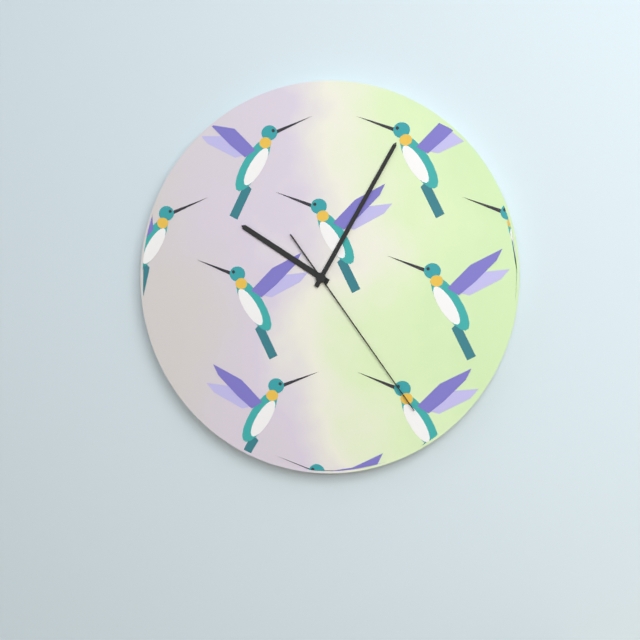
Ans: 10:05:24
